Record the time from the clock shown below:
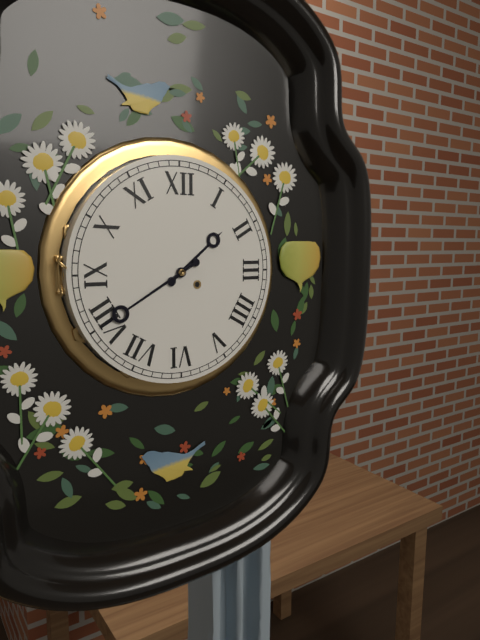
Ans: 1:40
